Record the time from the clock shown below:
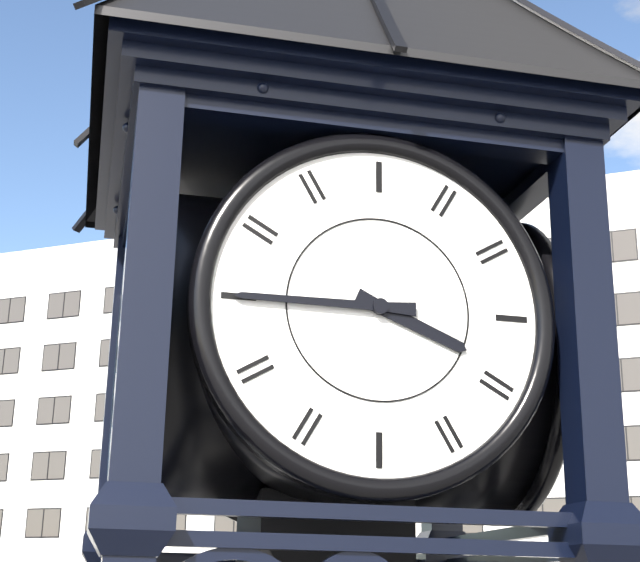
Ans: 3:45
